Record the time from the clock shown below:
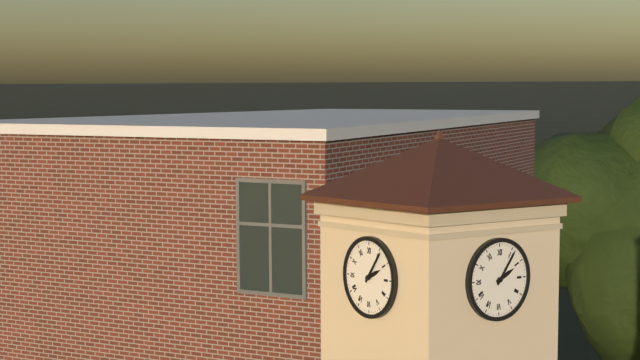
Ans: 2:06
